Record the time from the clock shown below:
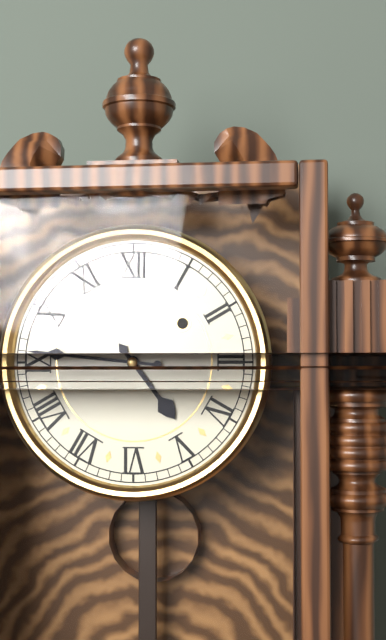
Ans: 4:46
